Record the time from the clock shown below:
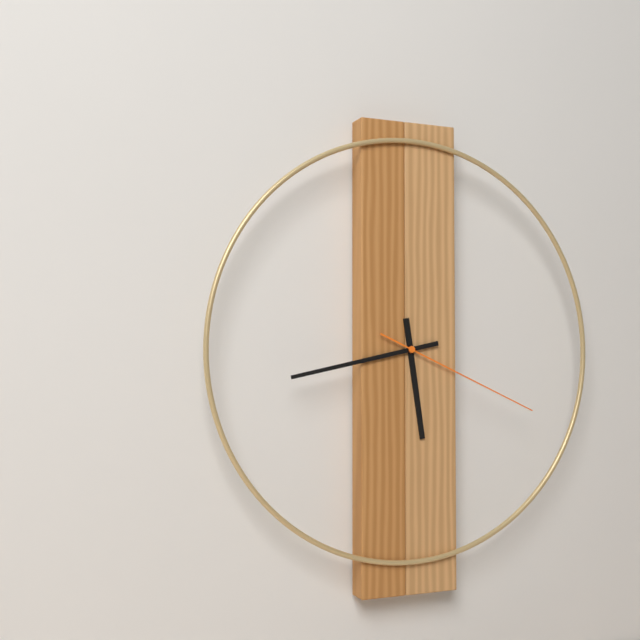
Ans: 5:43:19
